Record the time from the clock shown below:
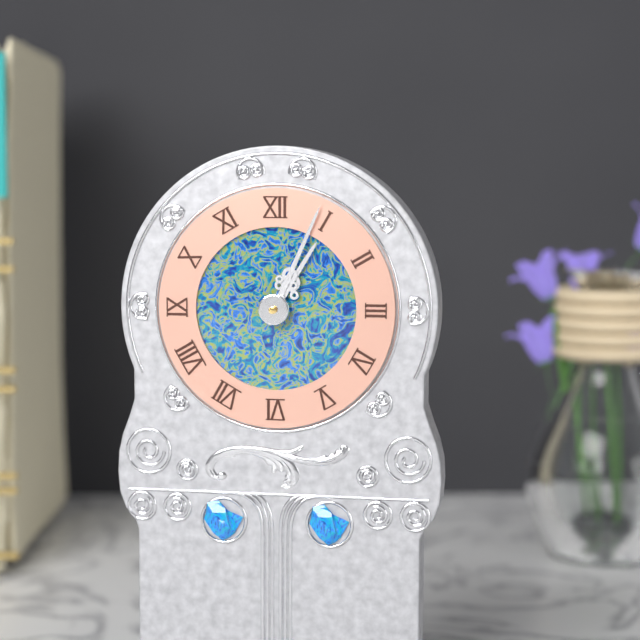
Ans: 1:04
